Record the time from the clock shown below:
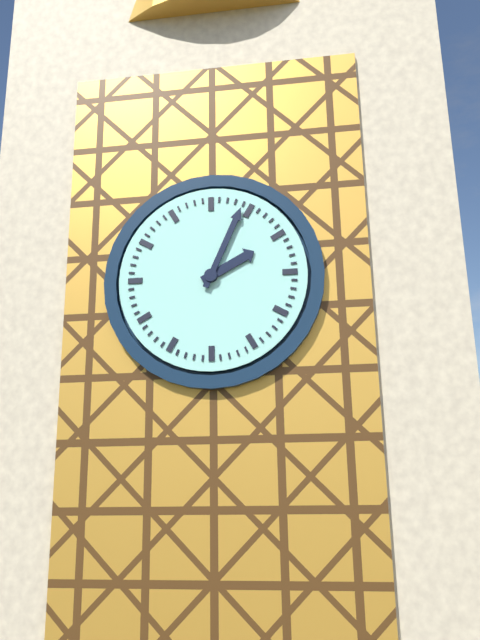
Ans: 2:04
